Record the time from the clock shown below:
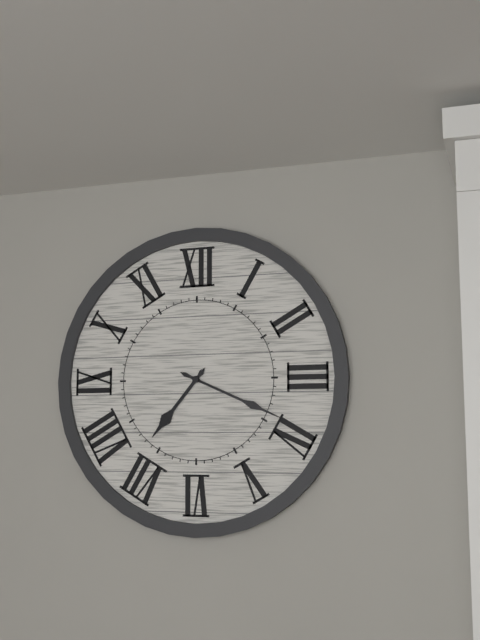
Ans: 7:19
